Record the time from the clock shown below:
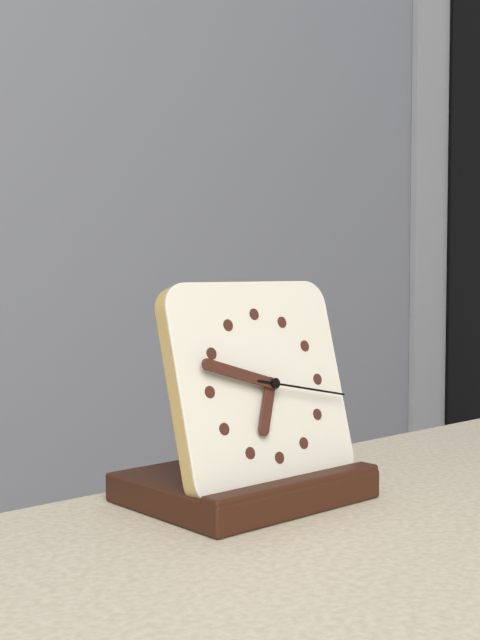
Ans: 6:48:17
